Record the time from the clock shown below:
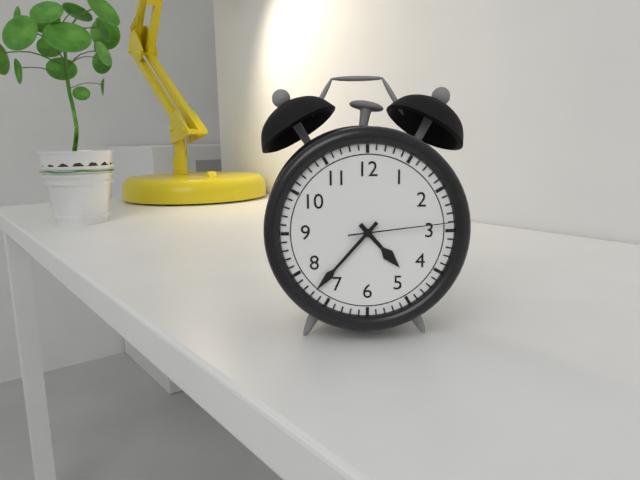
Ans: 4:37:14
